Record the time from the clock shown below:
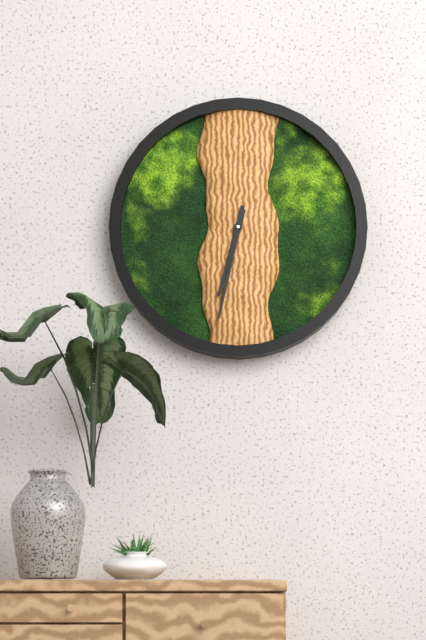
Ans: 6:32
